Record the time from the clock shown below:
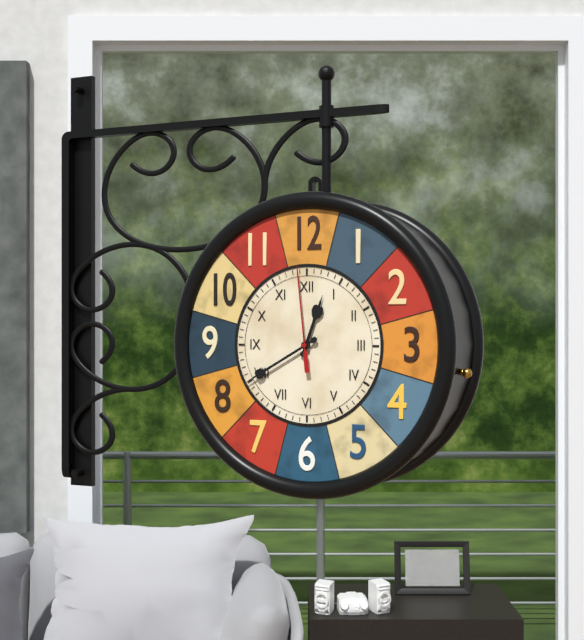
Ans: 12:40:59
